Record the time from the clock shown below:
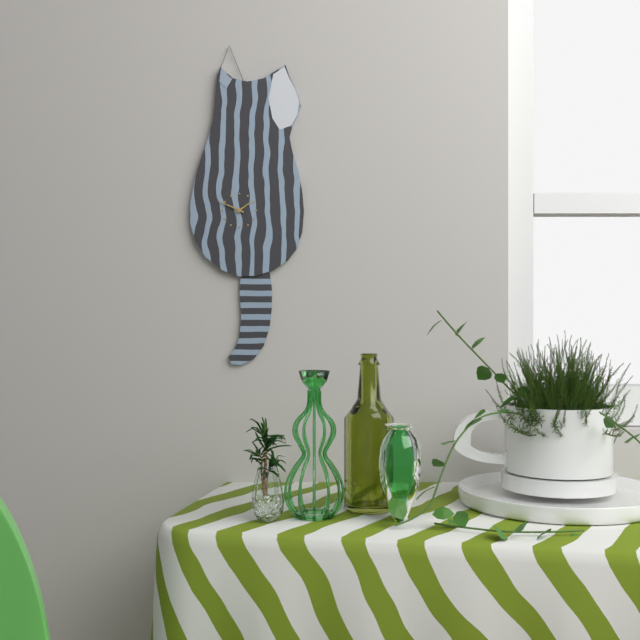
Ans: 1:49
